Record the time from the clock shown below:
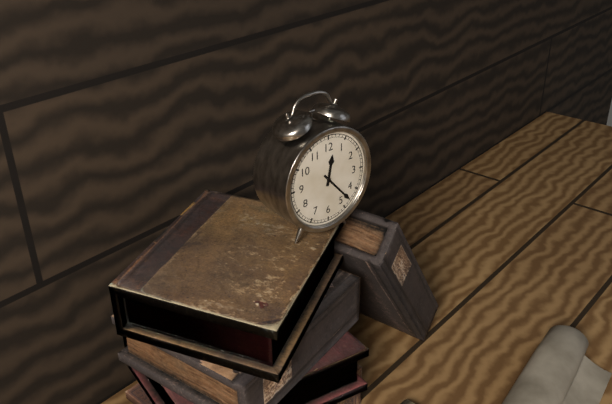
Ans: 12:23
